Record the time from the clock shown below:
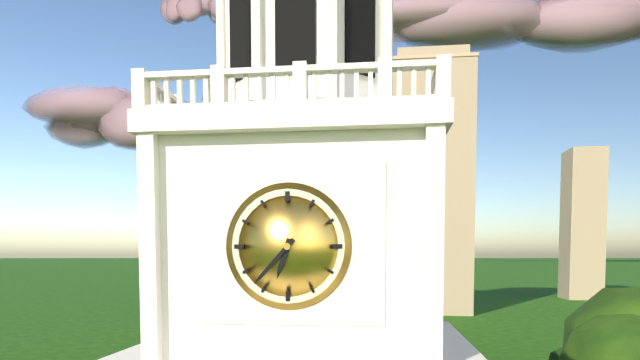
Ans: 6:37
